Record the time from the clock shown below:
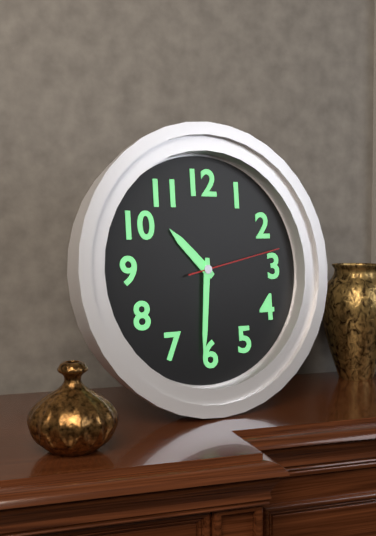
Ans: 10:31:13
